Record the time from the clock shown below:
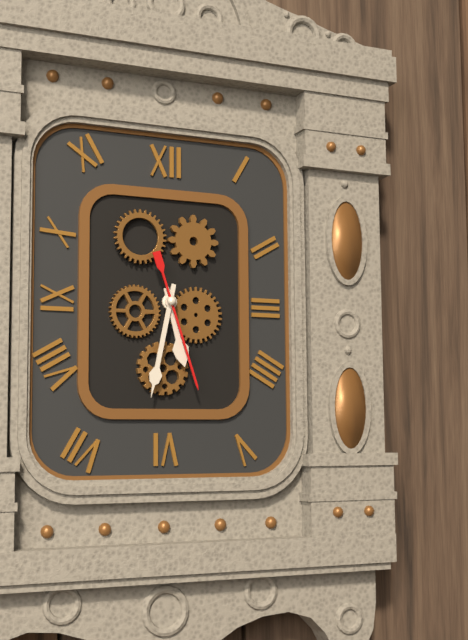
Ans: 5:32:27
